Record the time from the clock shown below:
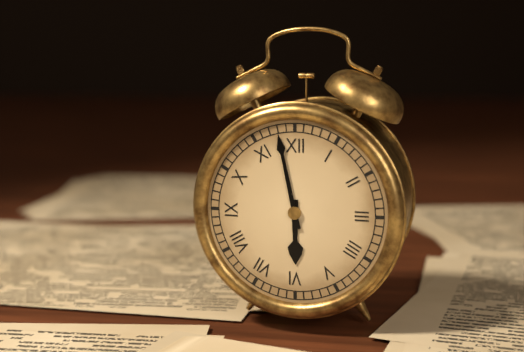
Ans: 5:58
